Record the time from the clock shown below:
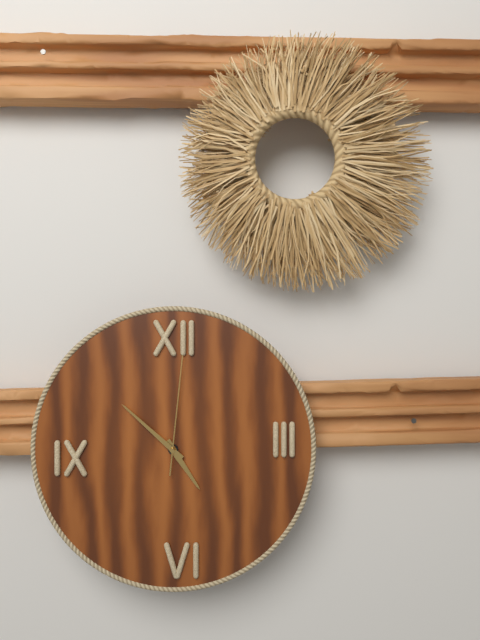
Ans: 4:52:01
